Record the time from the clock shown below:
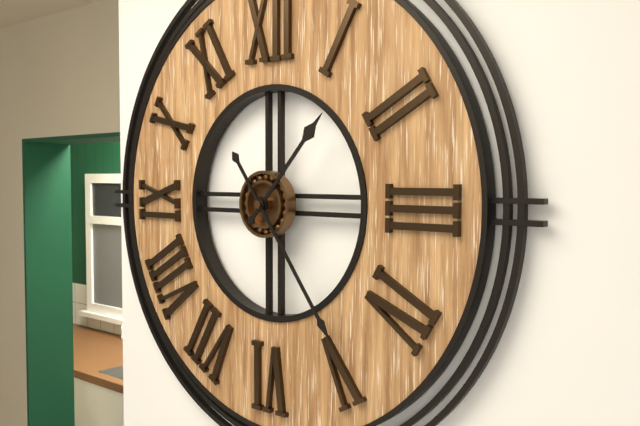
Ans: 1:24
